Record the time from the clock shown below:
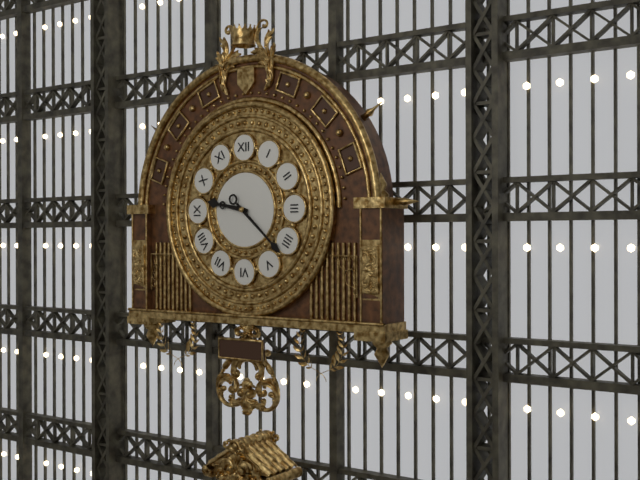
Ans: 9:22
